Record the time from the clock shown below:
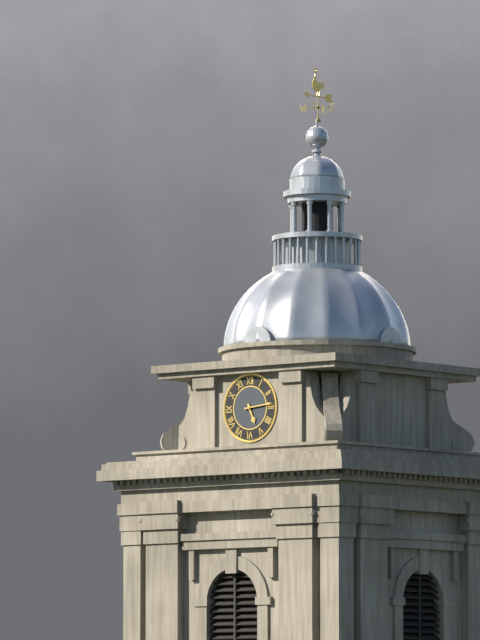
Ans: 5:14
